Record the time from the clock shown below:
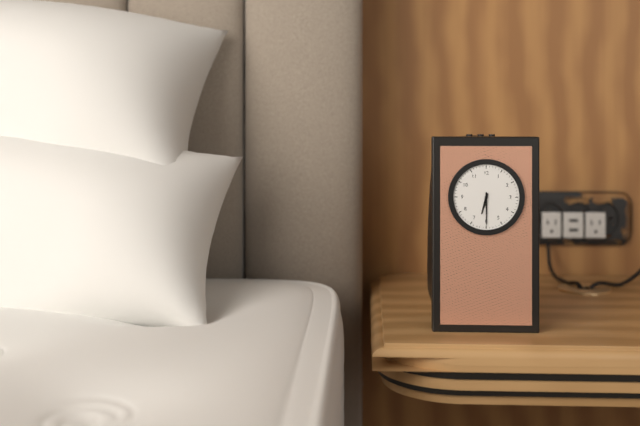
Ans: 6:30
